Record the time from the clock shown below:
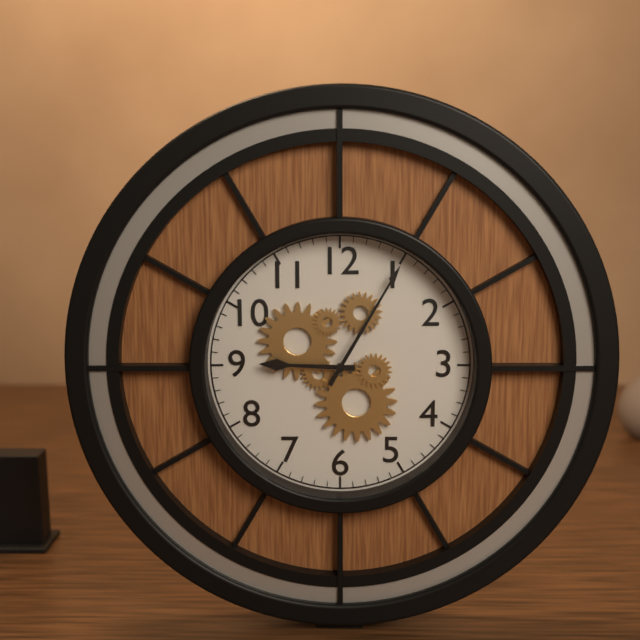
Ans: 9:05
